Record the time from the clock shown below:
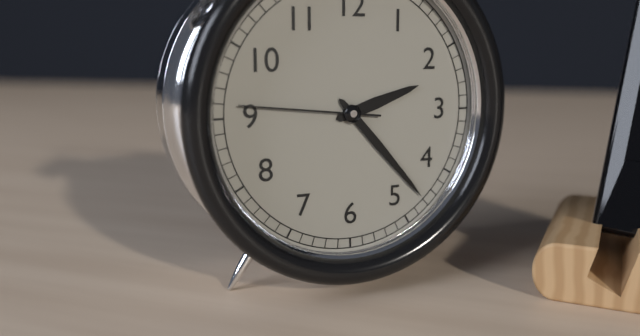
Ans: 2:23:46
